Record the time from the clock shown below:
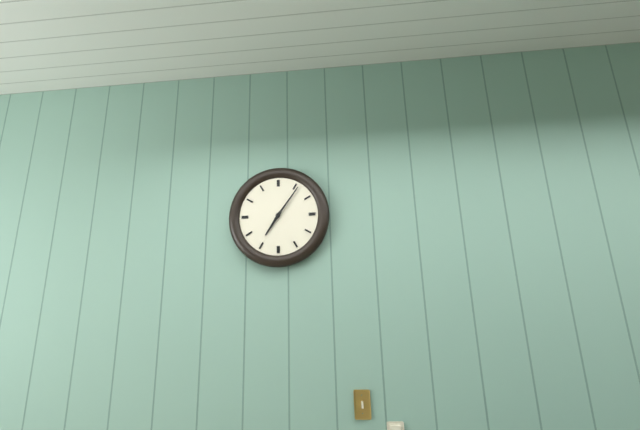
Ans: 7:06
